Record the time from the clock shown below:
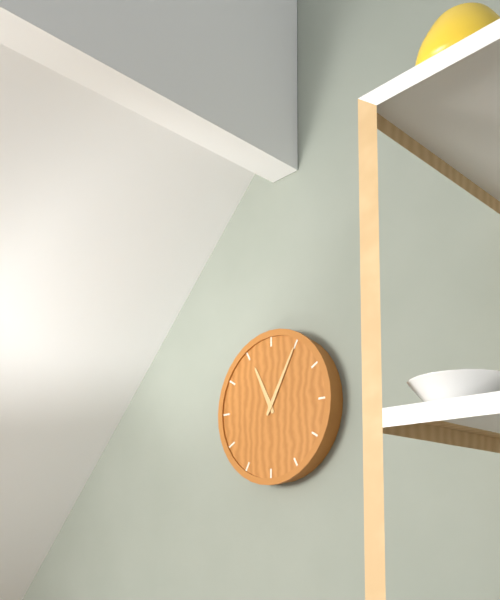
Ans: 11:05
